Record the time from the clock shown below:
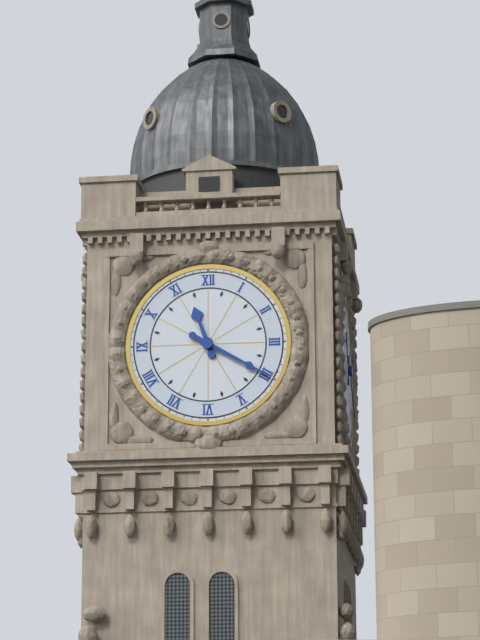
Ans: 11:20
